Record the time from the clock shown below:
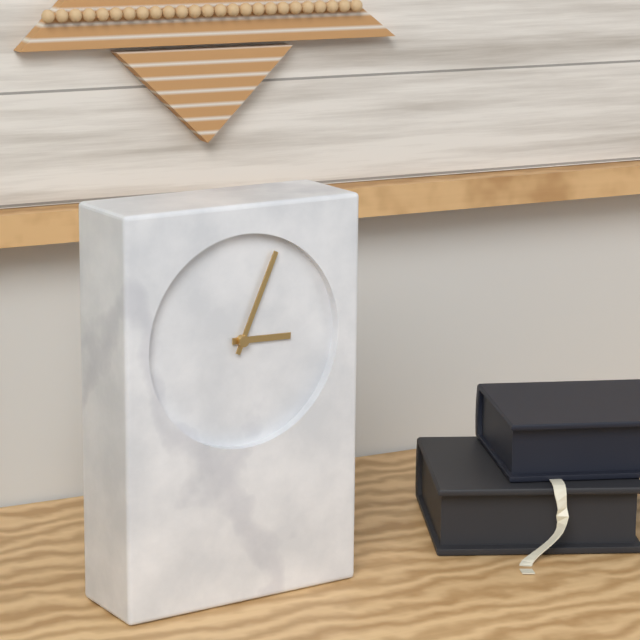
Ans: 3:04
